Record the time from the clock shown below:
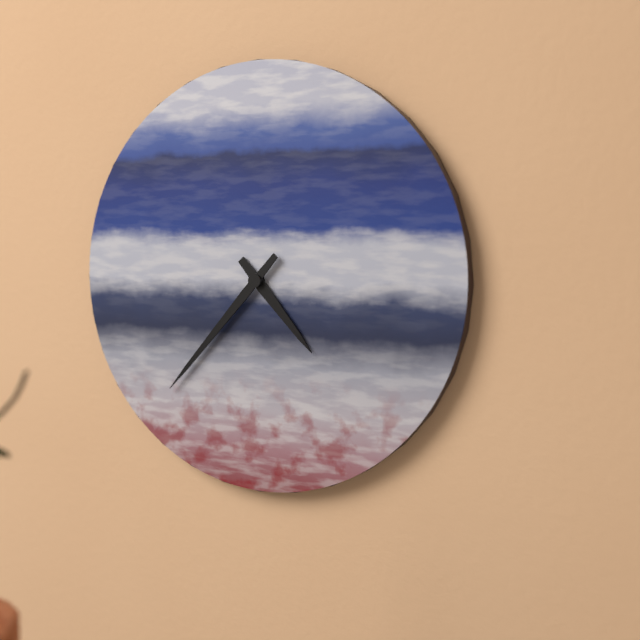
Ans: 4:37
